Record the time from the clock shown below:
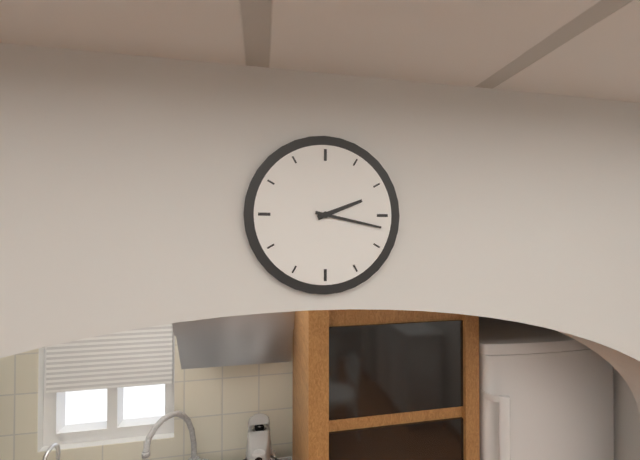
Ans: 2:17
